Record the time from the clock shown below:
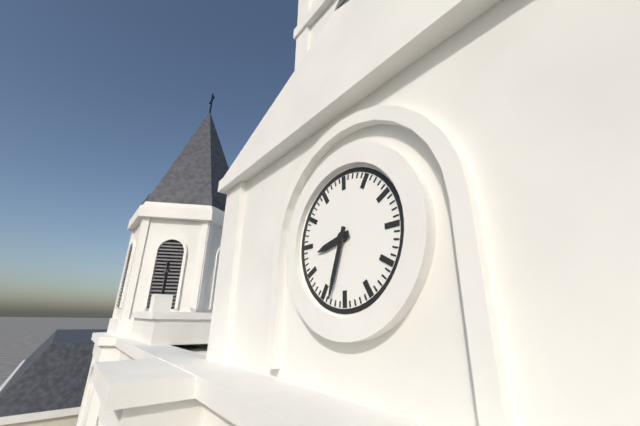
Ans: 8:33
